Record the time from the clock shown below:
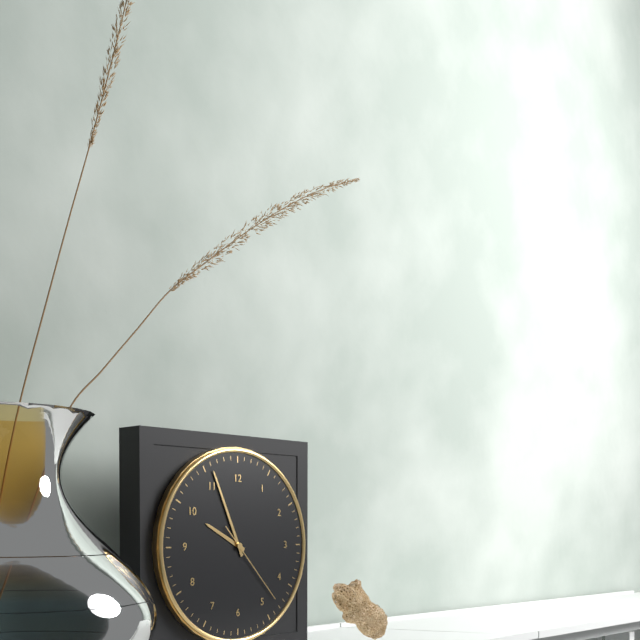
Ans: 9:56:23
